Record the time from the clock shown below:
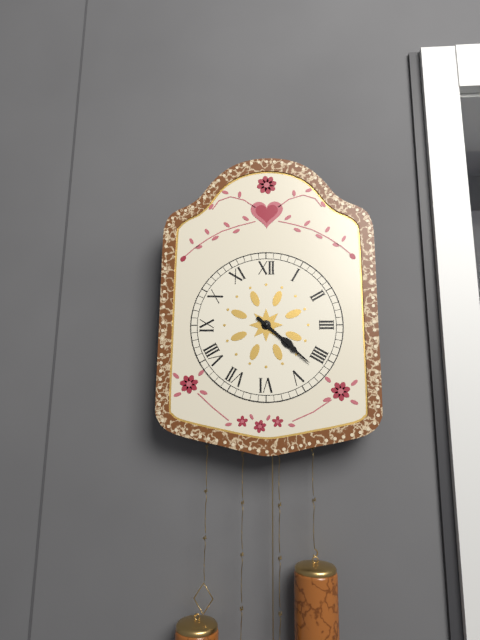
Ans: 4:22
